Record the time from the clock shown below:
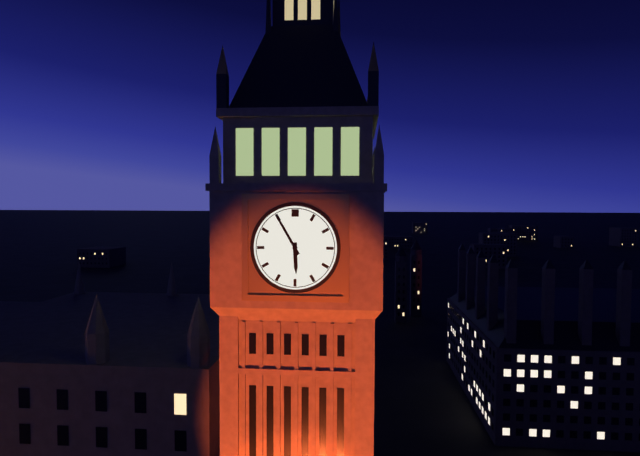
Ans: 5:55
